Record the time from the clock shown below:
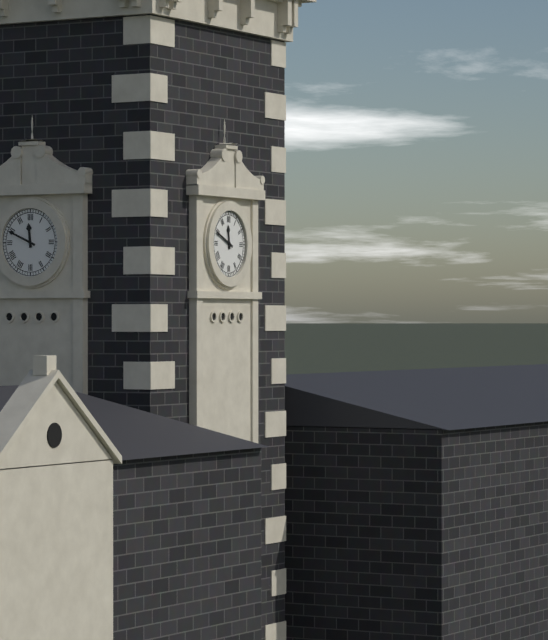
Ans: 11:49
